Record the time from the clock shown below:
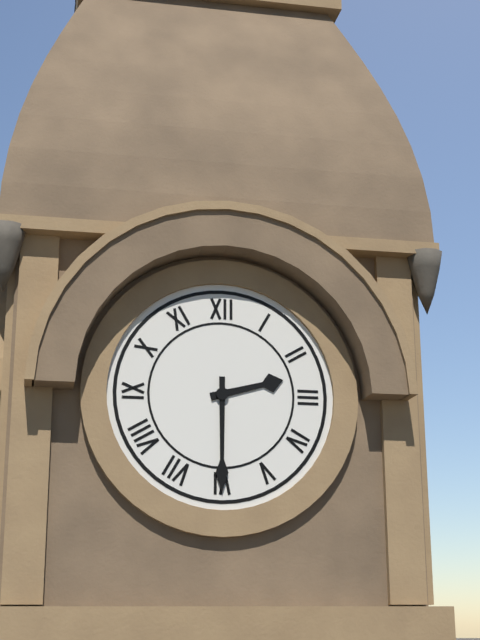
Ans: 2:30
